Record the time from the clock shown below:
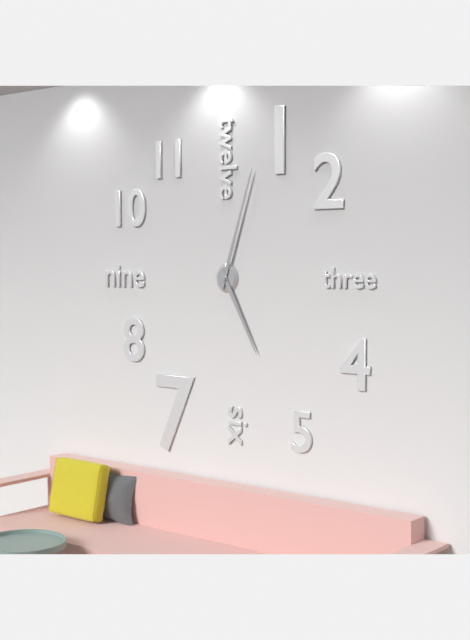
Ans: 5:03
